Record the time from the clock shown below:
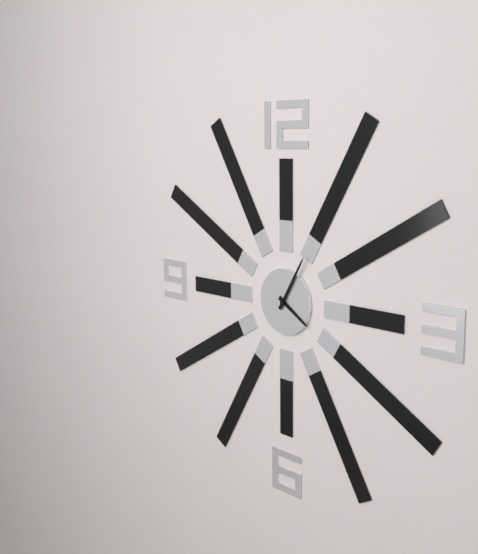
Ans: 4:05
